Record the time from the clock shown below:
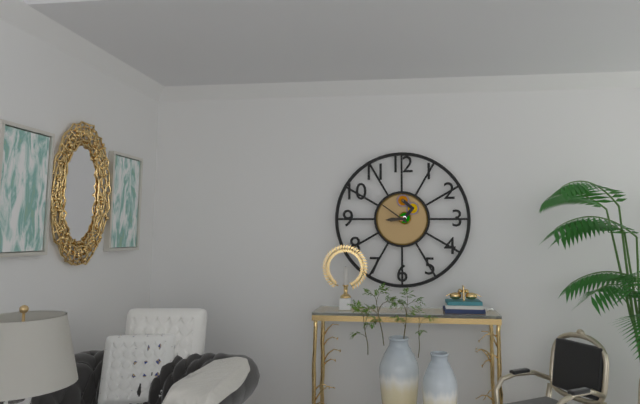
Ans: 8:51
